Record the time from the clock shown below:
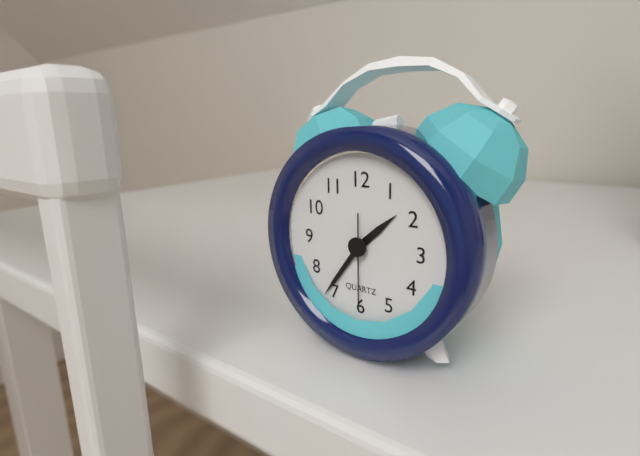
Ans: 1:36:30
